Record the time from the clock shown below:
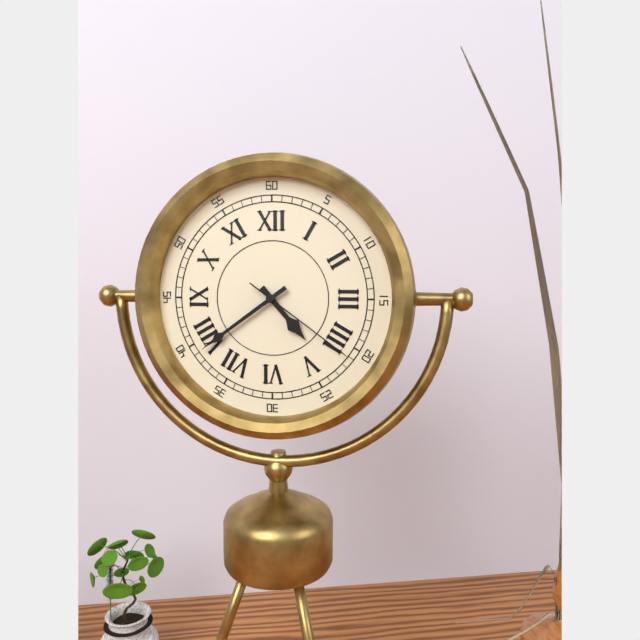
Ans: 4:39:21
